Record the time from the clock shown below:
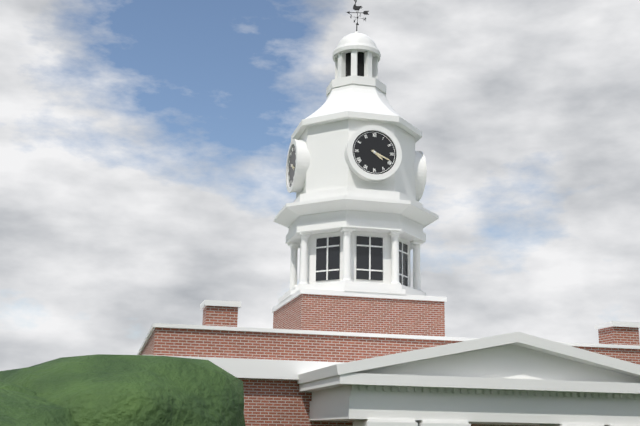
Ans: 4:19
